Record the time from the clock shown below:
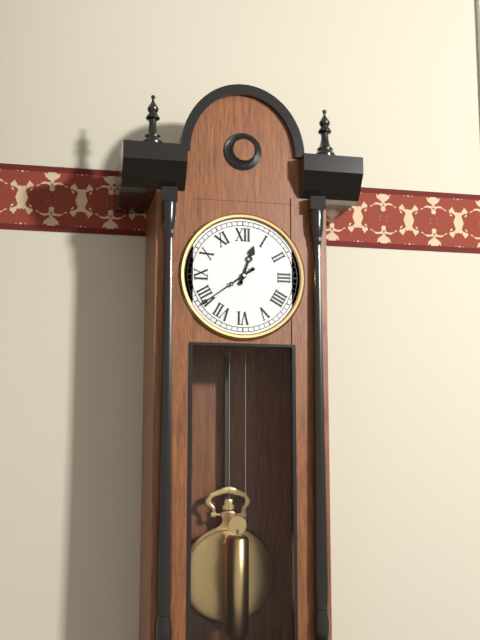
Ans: 12:39
